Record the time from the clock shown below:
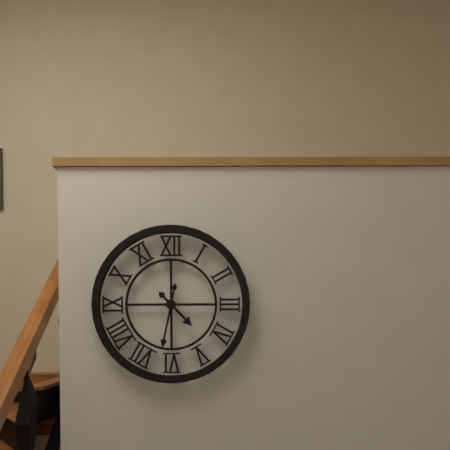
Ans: 4:32
